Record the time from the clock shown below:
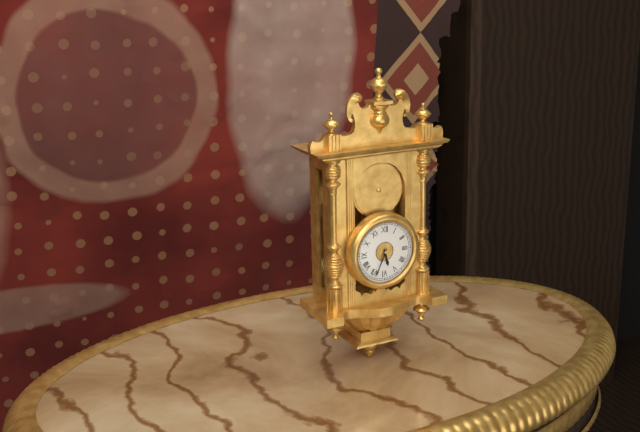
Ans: 5:34
